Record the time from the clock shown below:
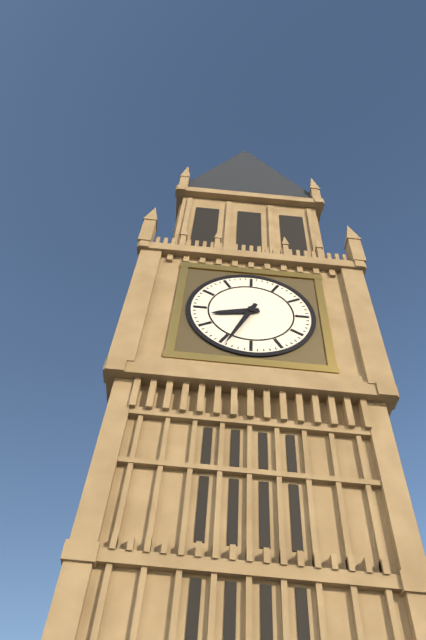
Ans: 8:34
